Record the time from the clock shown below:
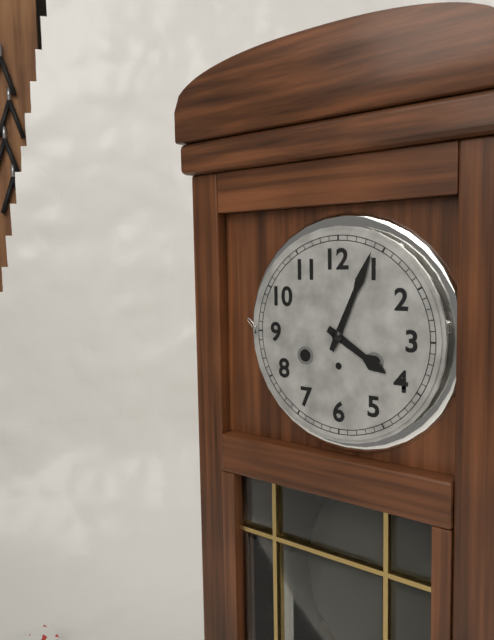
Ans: 4:04
